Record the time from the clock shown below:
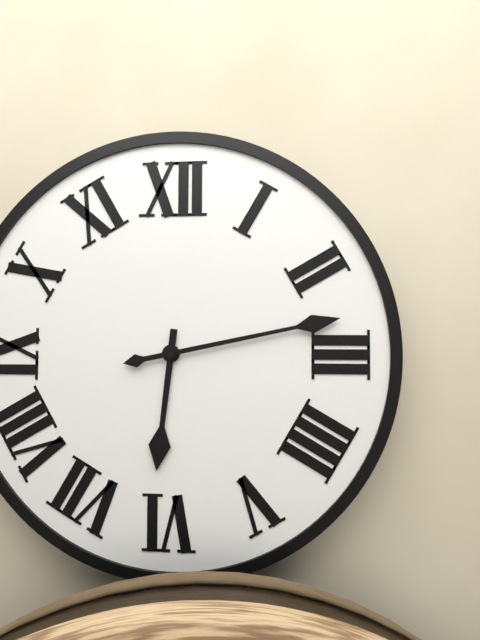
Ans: 6:13
